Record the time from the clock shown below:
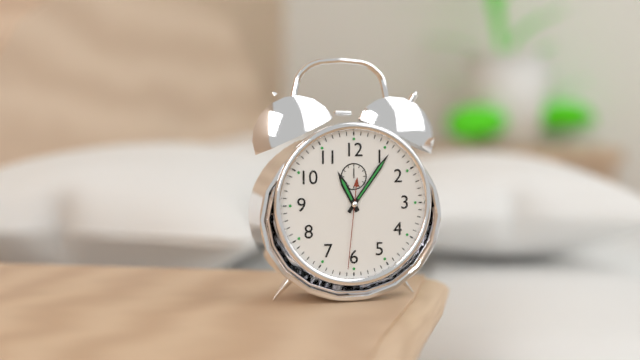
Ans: 11:06:31
